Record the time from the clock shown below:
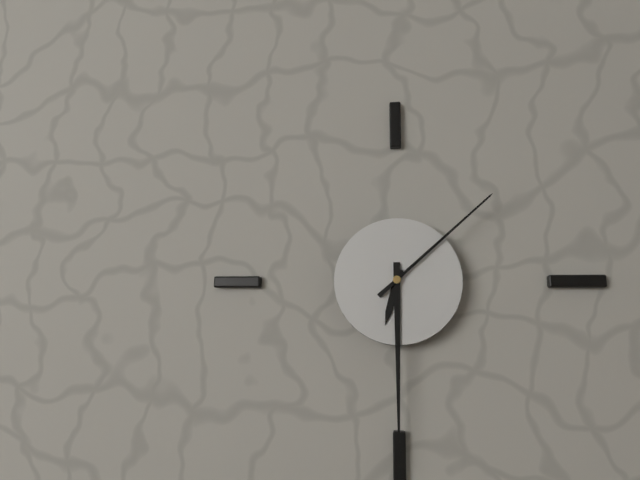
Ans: 6:30:08
